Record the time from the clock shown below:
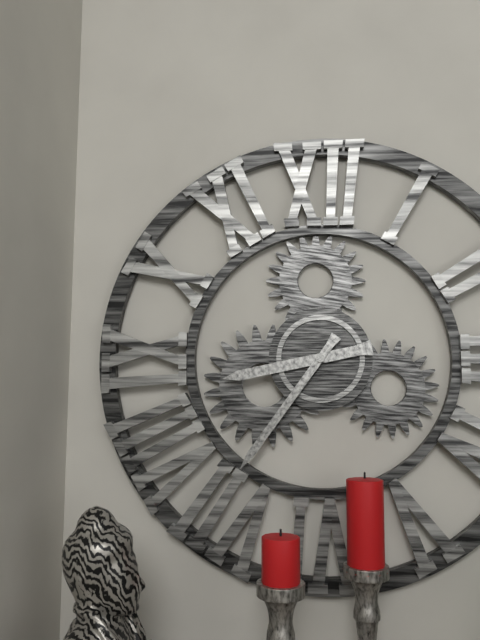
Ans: 8:36
